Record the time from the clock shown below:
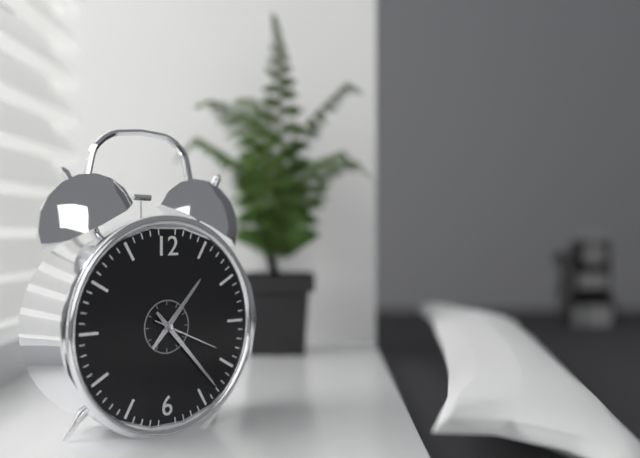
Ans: 1:23:19
